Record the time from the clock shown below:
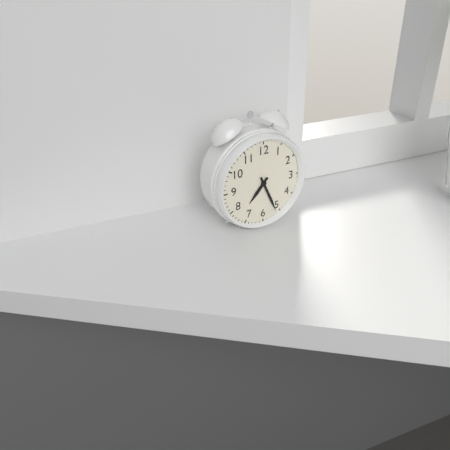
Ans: 7:26
